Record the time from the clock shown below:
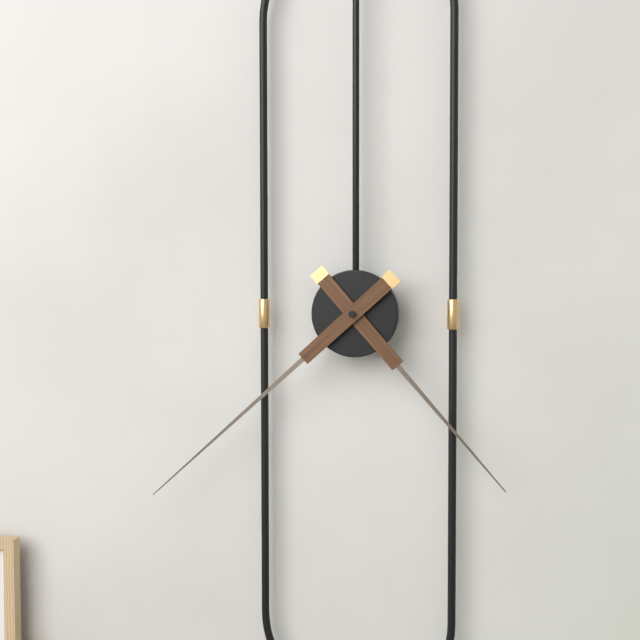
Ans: 4:38
